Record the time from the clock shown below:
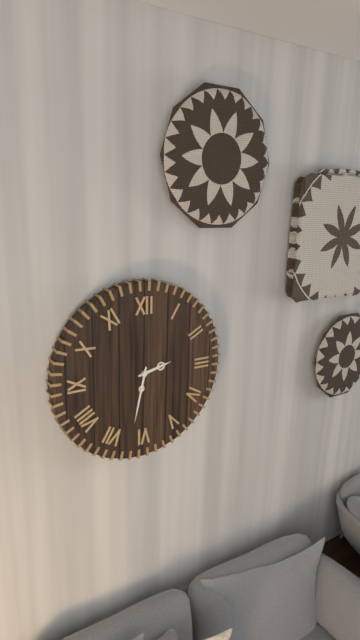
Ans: 2:32
